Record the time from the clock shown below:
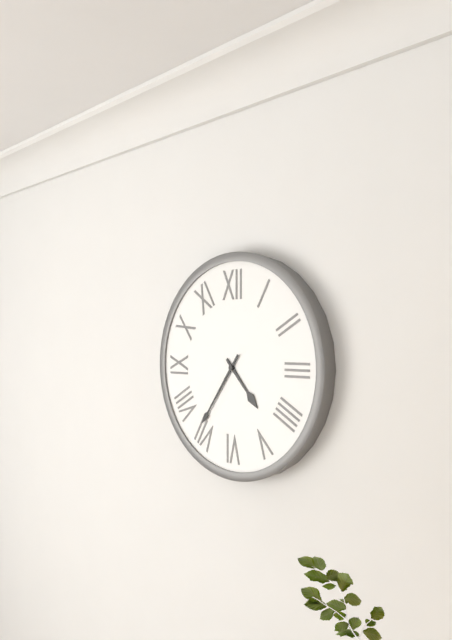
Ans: 4:36
